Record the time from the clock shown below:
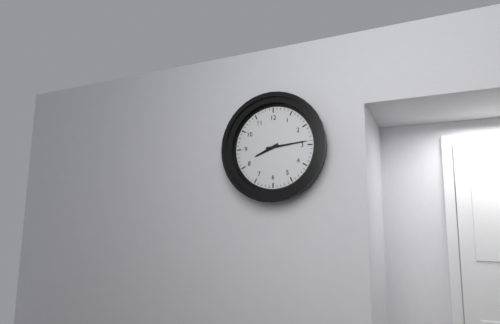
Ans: 8:14
